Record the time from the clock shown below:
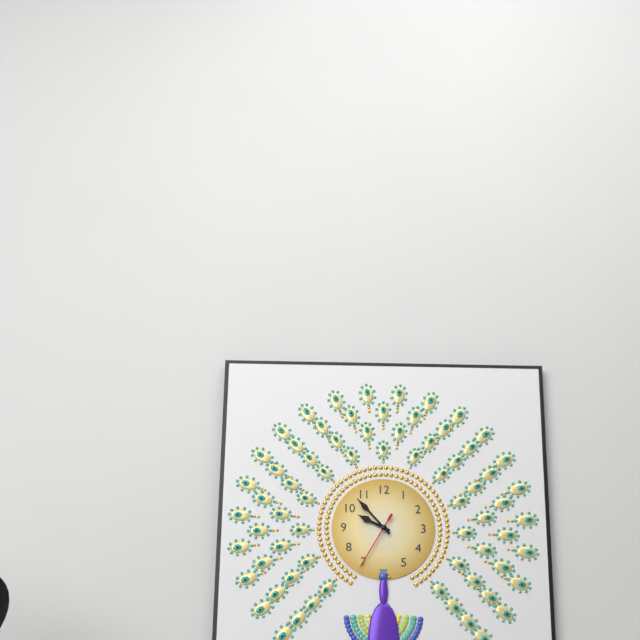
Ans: 9:53:35
